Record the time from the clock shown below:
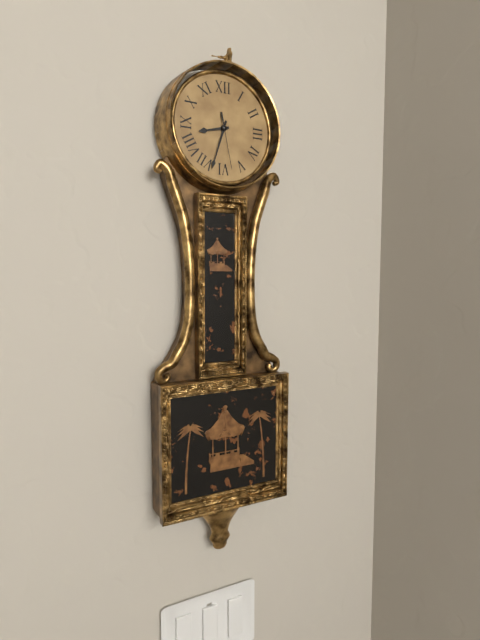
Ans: 8:33:28
